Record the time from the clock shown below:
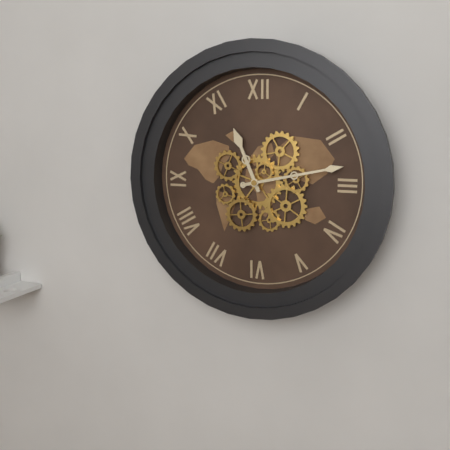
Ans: 11:13
